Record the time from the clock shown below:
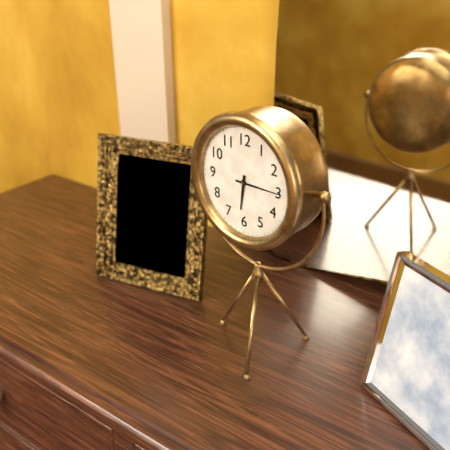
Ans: 6:15
